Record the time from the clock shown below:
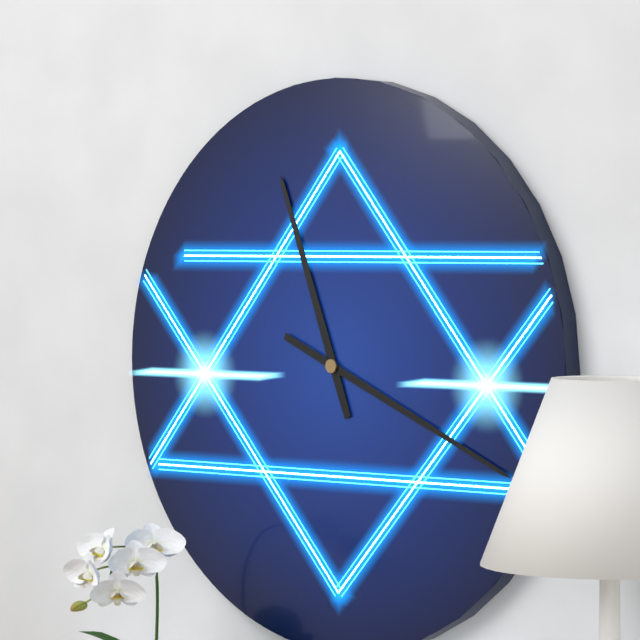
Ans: 11:19
